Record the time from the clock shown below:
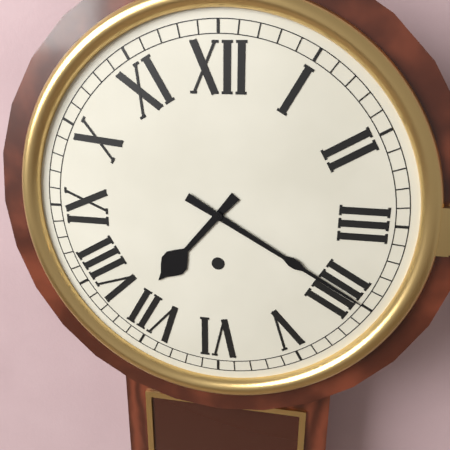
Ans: 7:20
